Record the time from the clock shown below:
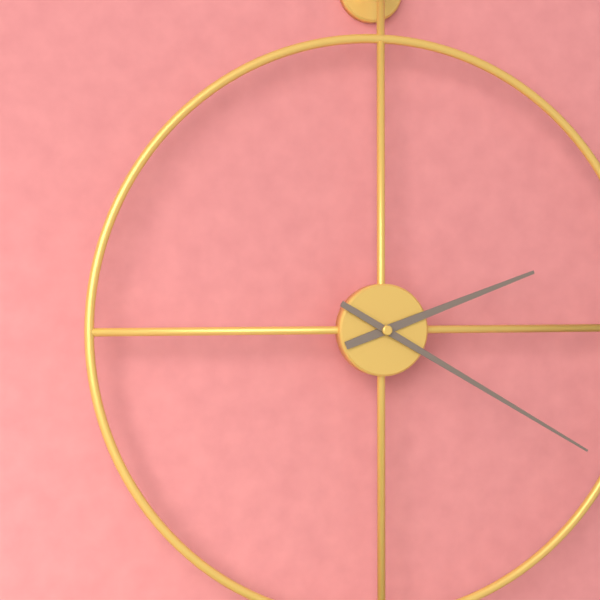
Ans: 2:20
